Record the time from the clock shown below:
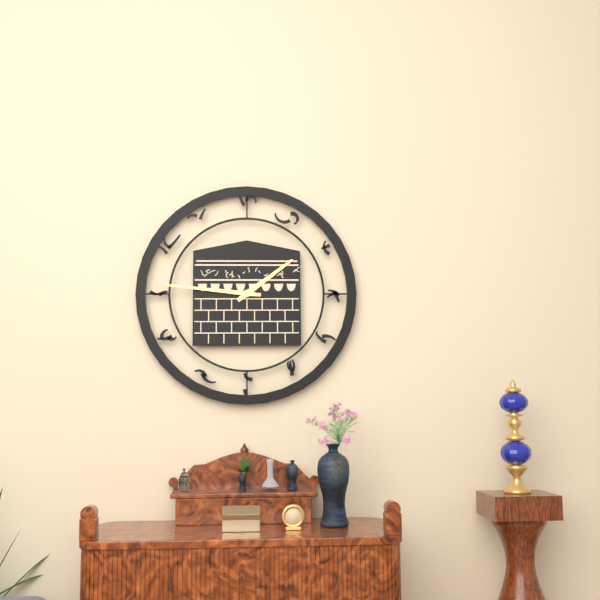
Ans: 1:46
